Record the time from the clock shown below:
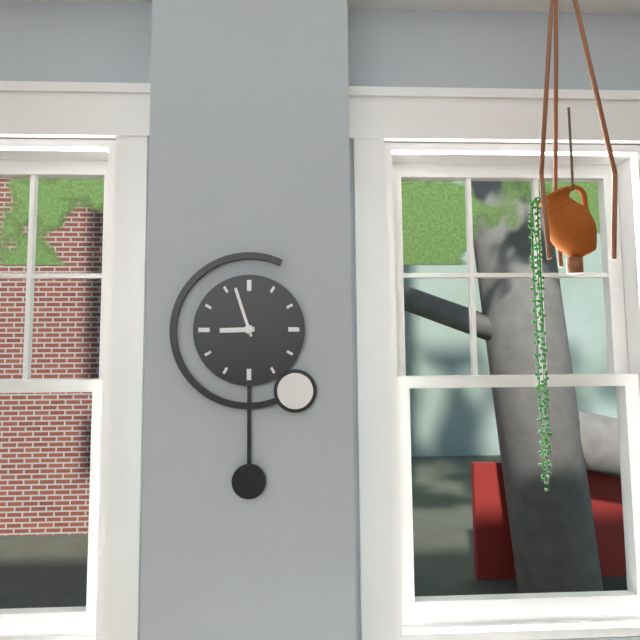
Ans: 8:57
